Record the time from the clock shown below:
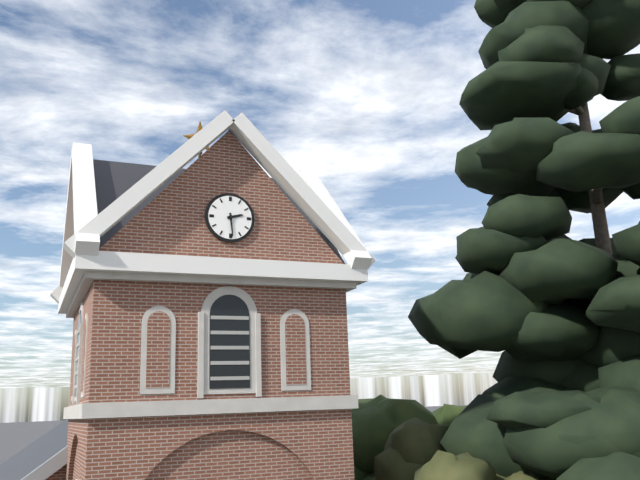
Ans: 2:29
